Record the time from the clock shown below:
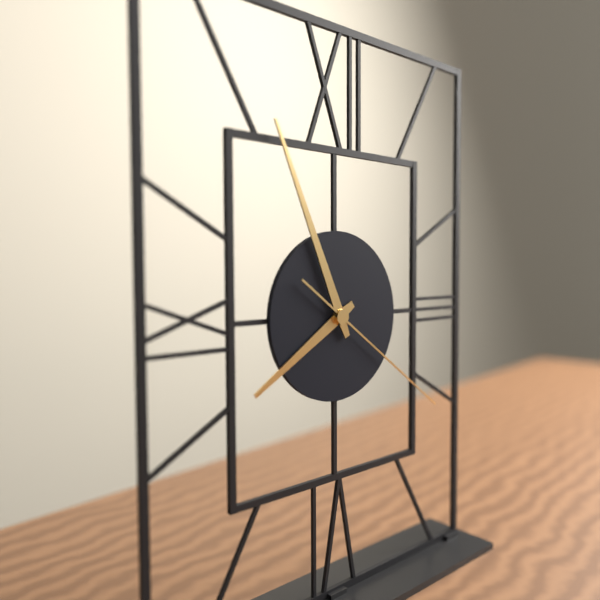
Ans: 7:56:21
